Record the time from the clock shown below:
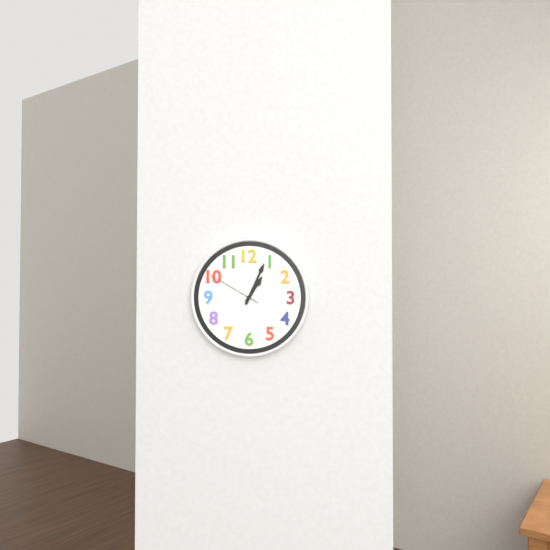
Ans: 1:04:50
